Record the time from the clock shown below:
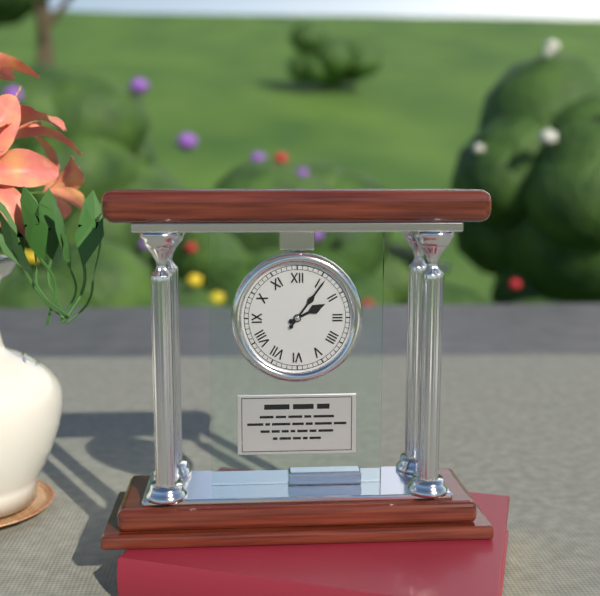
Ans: 2:06
